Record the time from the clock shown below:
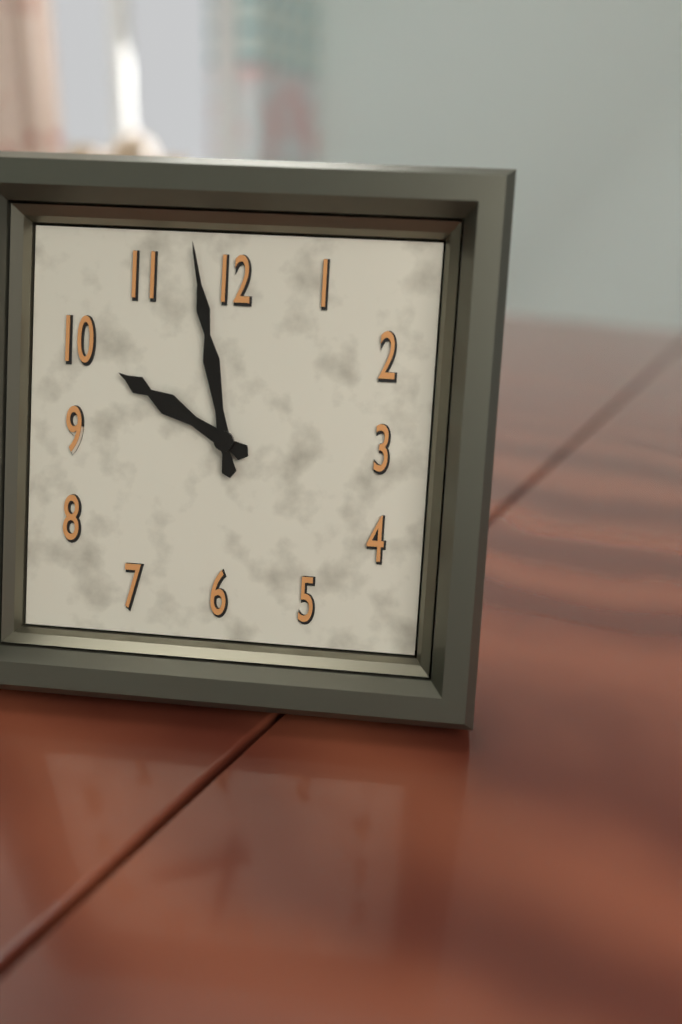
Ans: 9:58
